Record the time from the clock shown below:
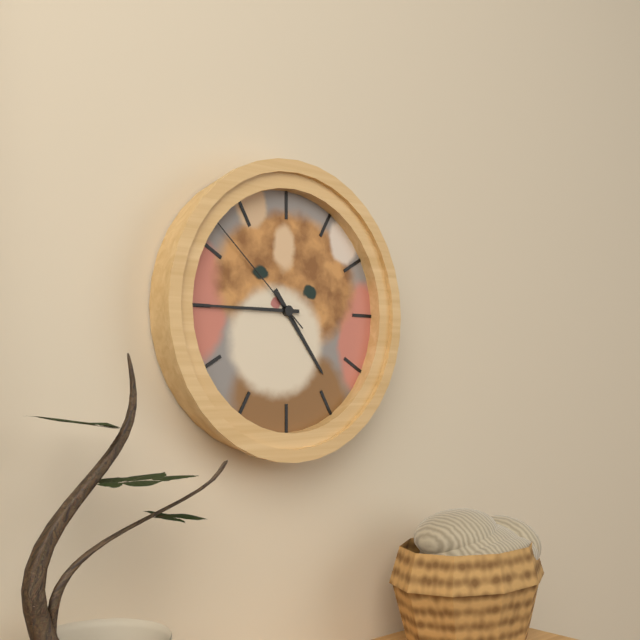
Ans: 4:45:52
